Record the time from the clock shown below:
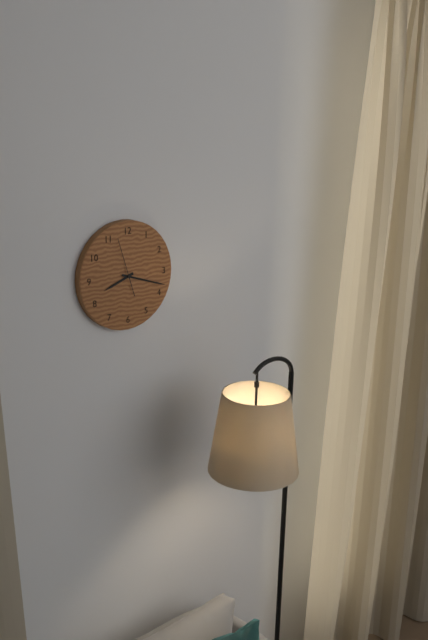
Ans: 8:18
